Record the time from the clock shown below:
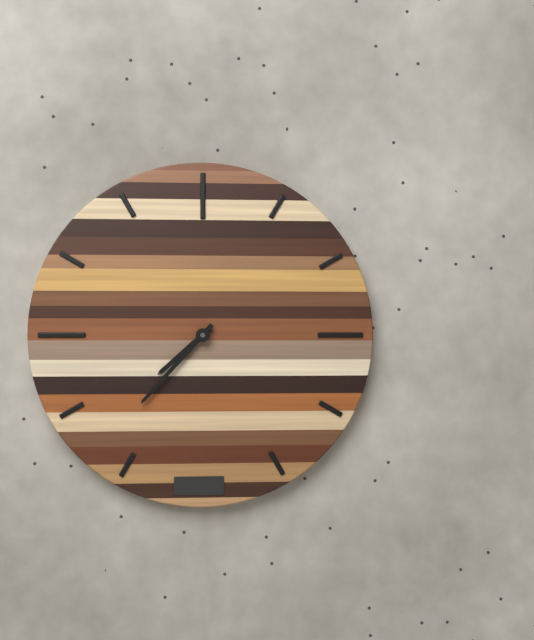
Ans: 7:37
